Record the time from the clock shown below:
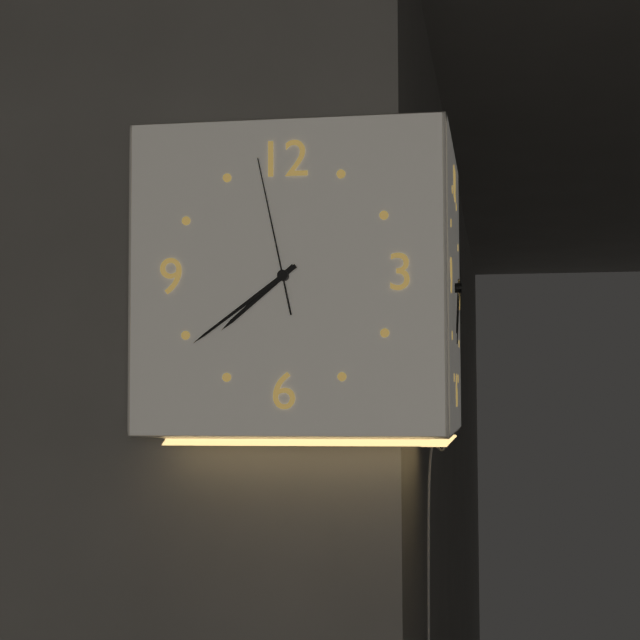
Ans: 7:39:58
